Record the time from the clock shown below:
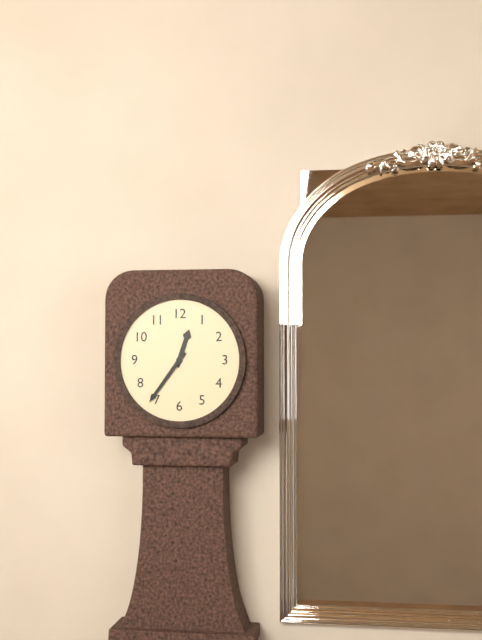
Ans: 12:36
